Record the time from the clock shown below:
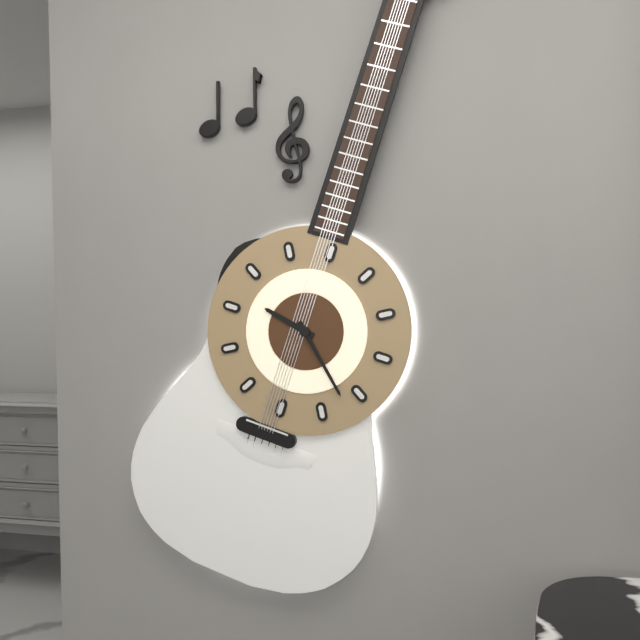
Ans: 9:22
